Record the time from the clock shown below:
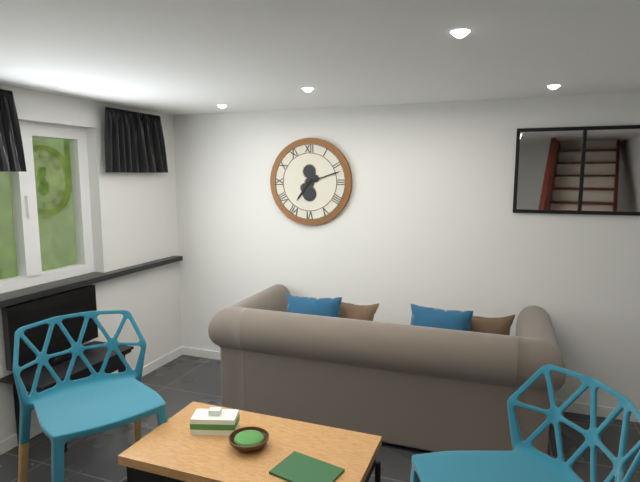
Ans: 7:12
